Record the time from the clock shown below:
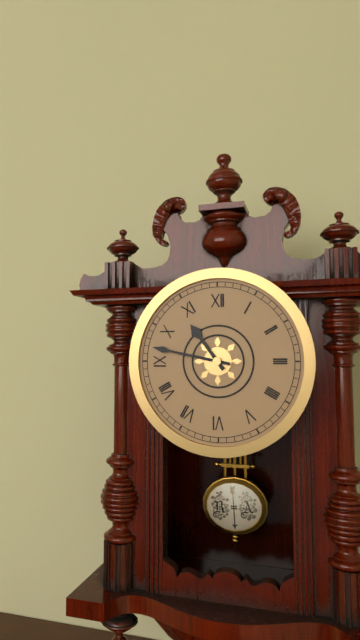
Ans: 10:47
